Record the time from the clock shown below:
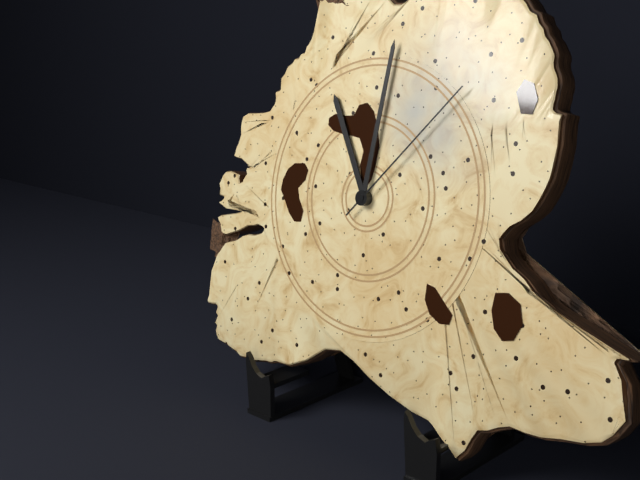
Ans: 11:01:07
